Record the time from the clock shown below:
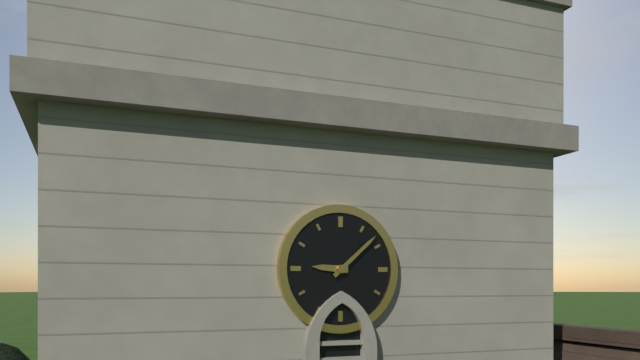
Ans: 9:08
